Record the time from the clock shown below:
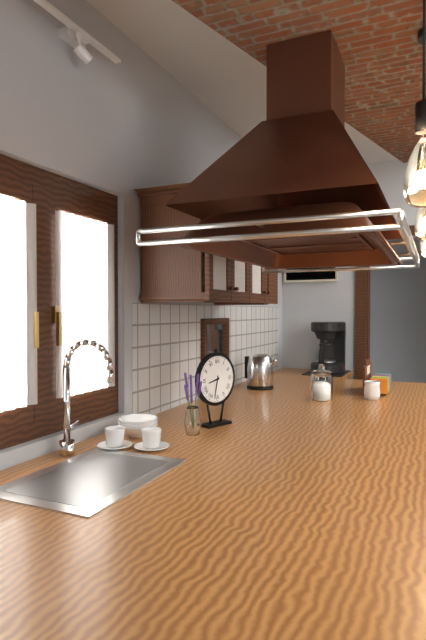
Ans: 8:32
